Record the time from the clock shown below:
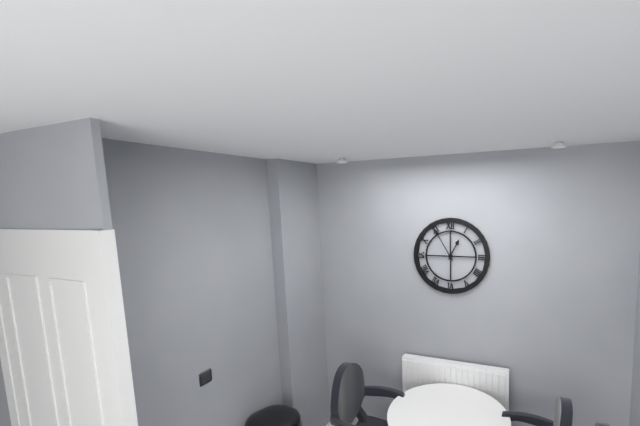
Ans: 12:55
